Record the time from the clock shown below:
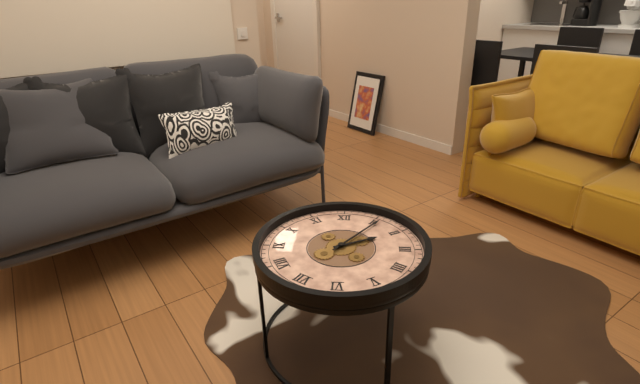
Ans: 2:06
